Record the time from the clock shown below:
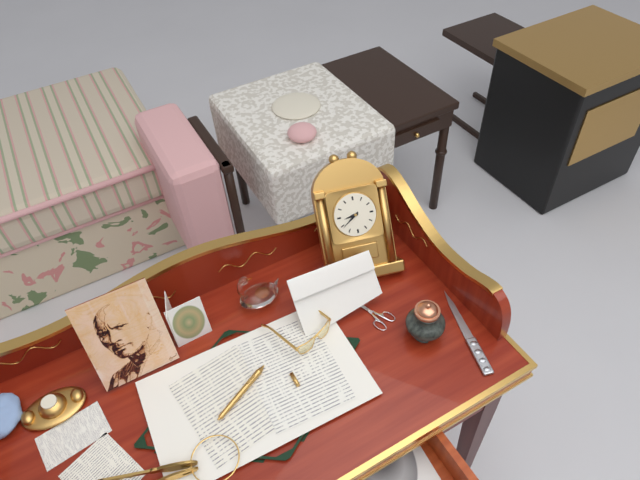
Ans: 8:39
